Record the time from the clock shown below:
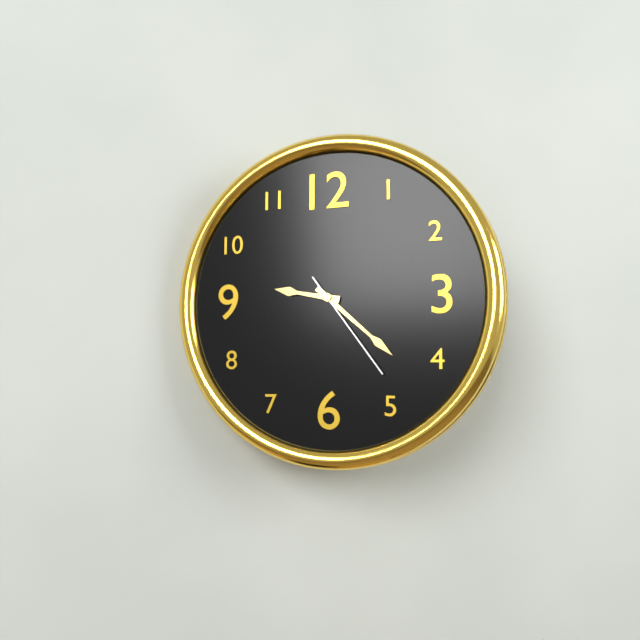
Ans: 9:22:24
